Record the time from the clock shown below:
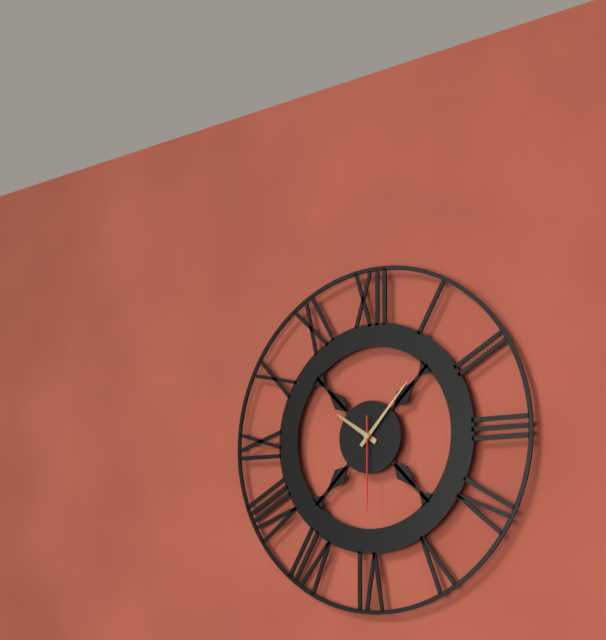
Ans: 10:07:30
